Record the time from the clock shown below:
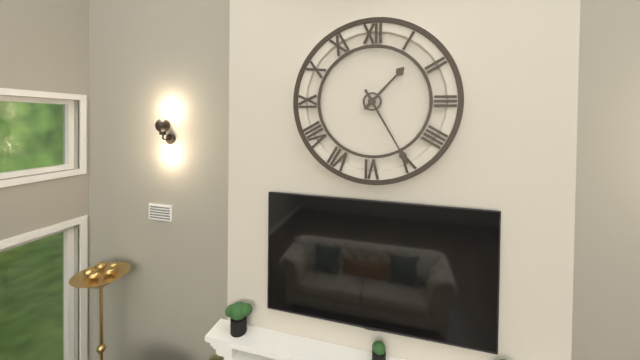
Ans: 1:25
